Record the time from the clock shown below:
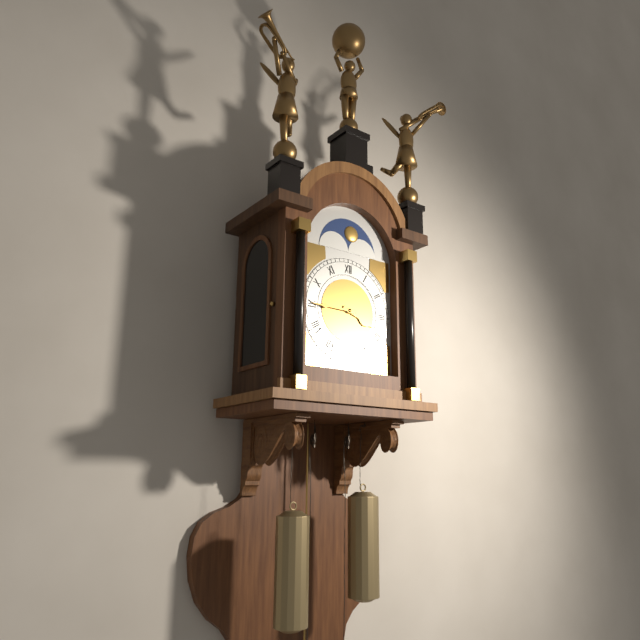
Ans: 3:45
